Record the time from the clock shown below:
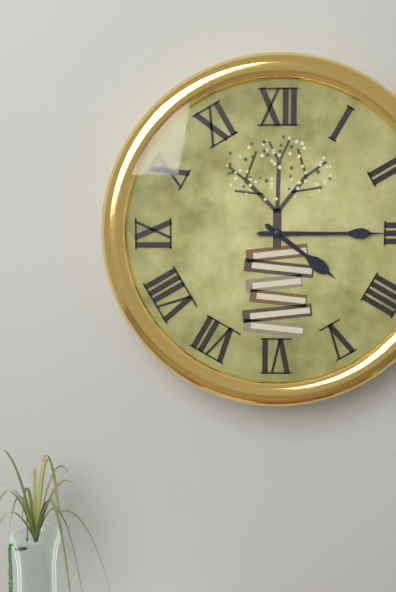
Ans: 4:15
